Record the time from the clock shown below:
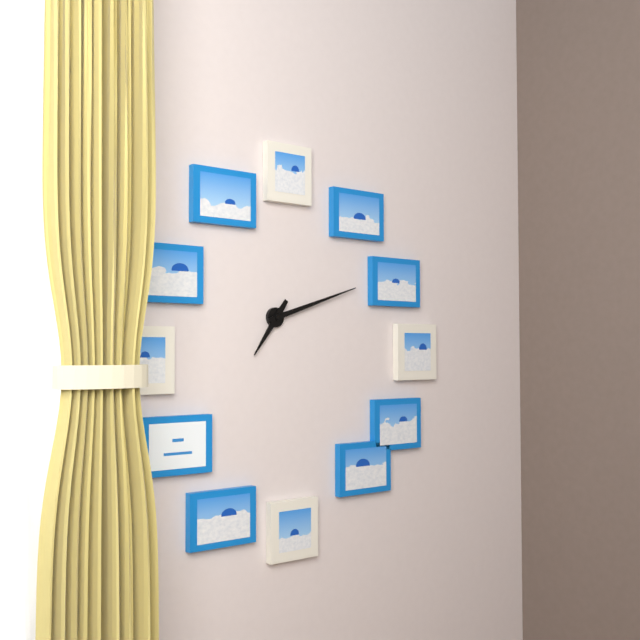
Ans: 7:12
